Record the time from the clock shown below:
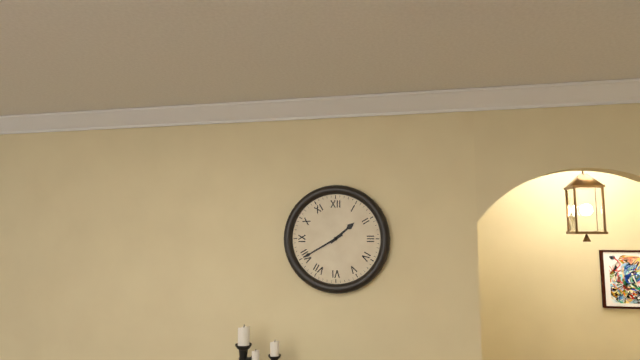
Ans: 1:40
